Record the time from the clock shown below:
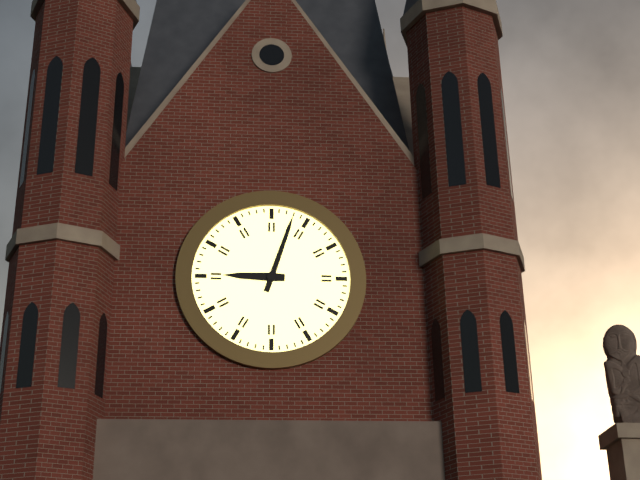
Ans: 9:03
